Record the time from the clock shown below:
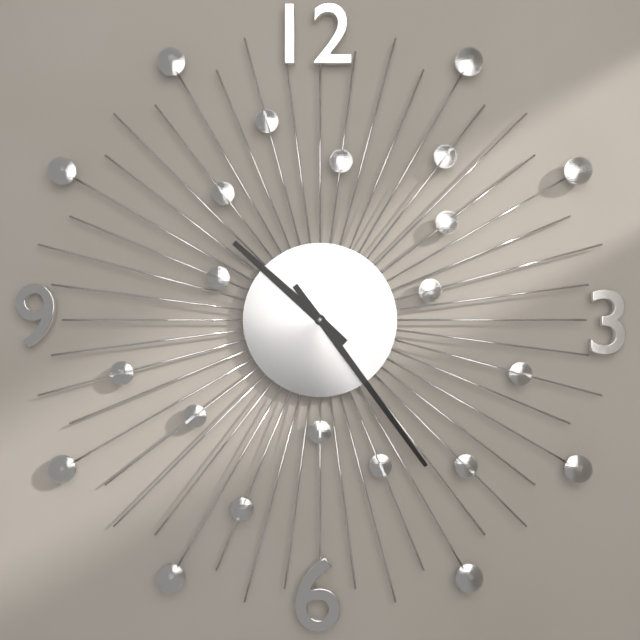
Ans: 10:24
